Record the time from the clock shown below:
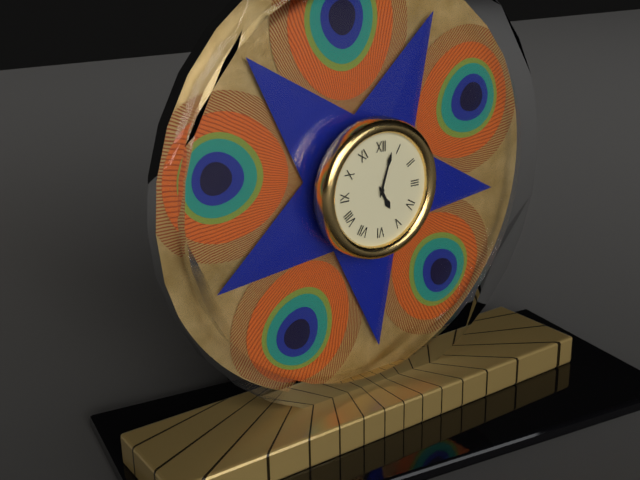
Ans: 5:03
